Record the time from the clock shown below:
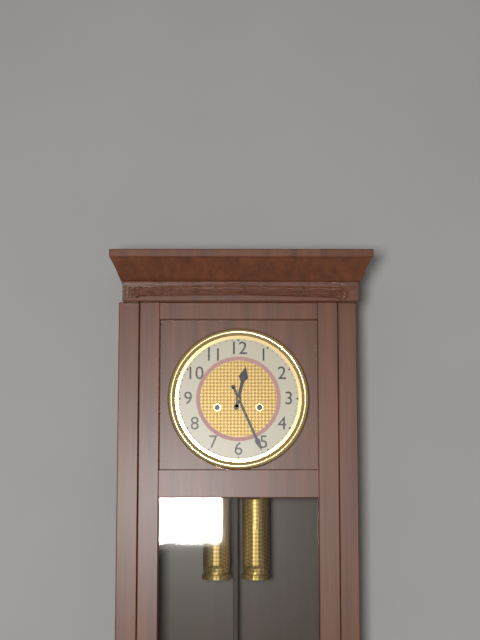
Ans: 12:26
